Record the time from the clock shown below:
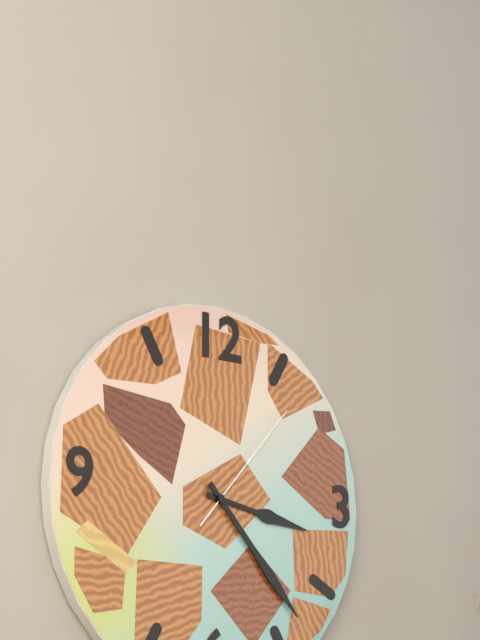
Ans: 3:23:07
